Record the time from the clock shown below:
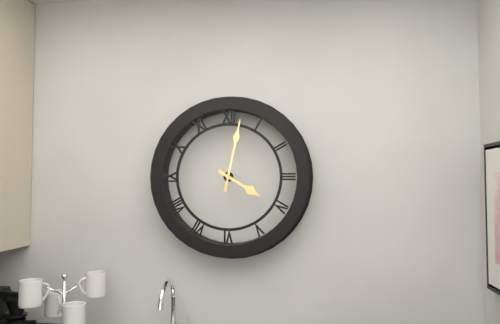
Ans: 4:02
